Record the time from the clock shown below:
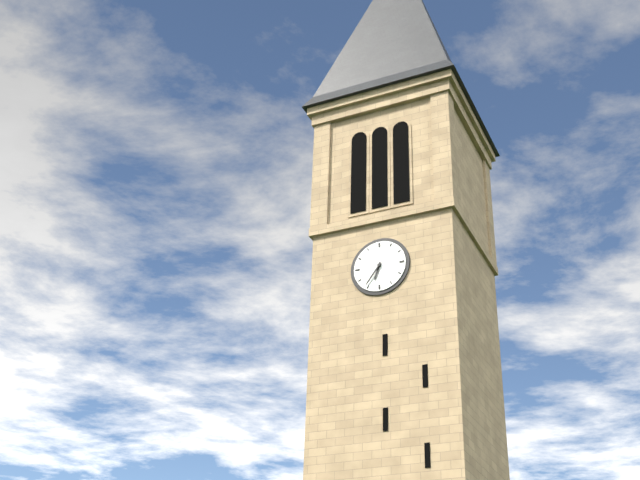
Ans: 6:36
